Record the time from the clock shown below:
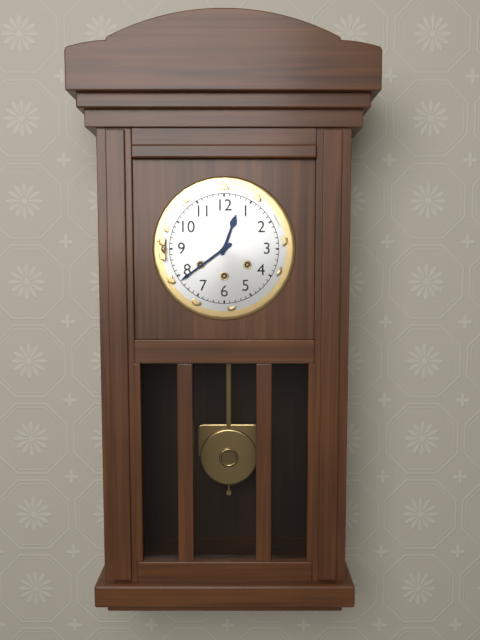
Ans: 12:39
